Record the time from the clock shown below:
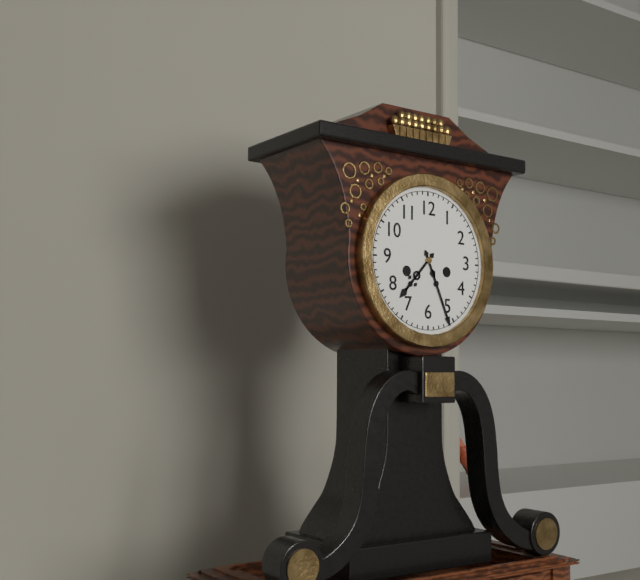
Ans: 7:26
